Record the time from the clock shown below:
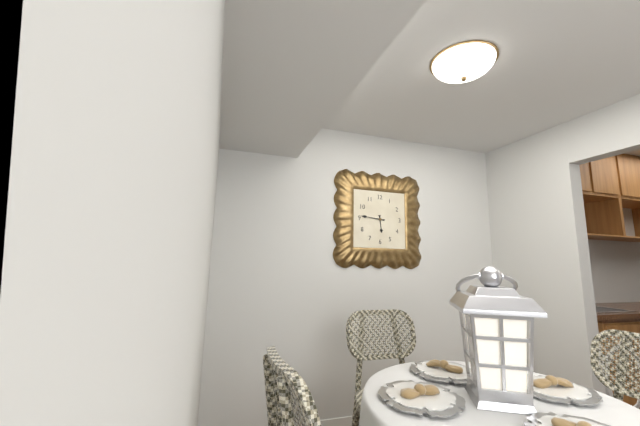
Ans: 5:46
